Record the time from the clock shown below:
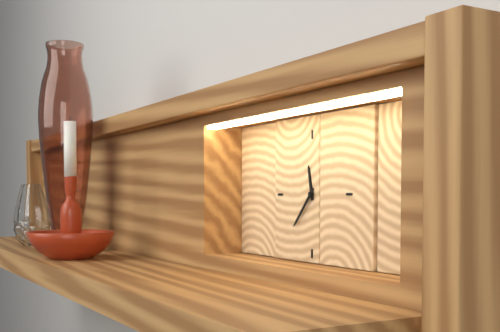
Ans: 11:37
